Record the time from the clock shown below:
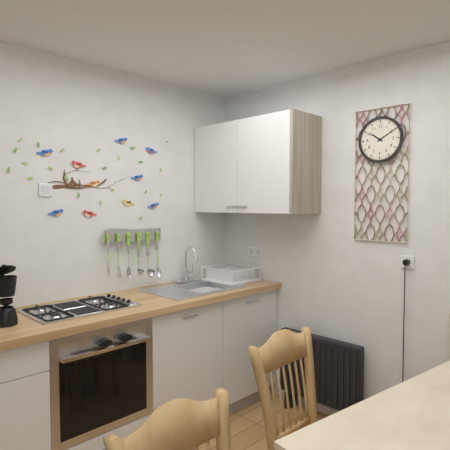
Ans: 10:10
